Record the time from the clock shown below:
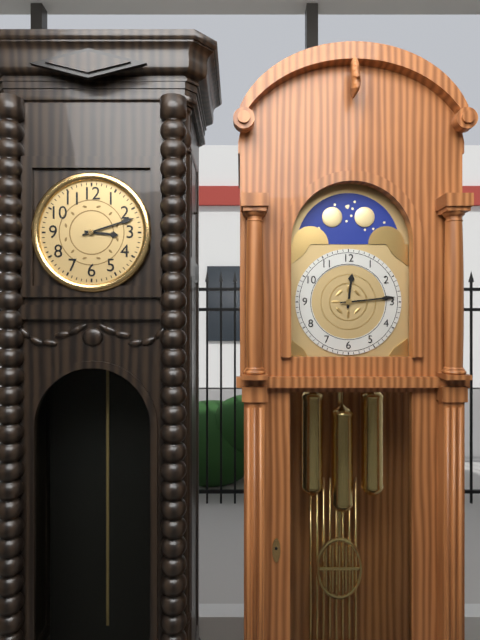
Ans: 3:12
